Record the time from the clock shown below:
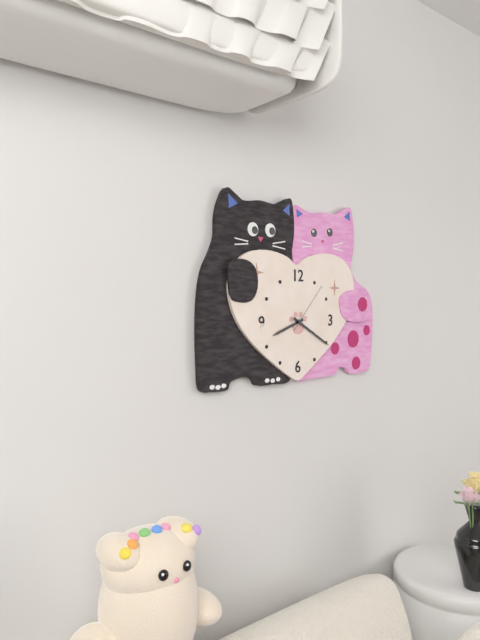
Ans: 8:20:07
